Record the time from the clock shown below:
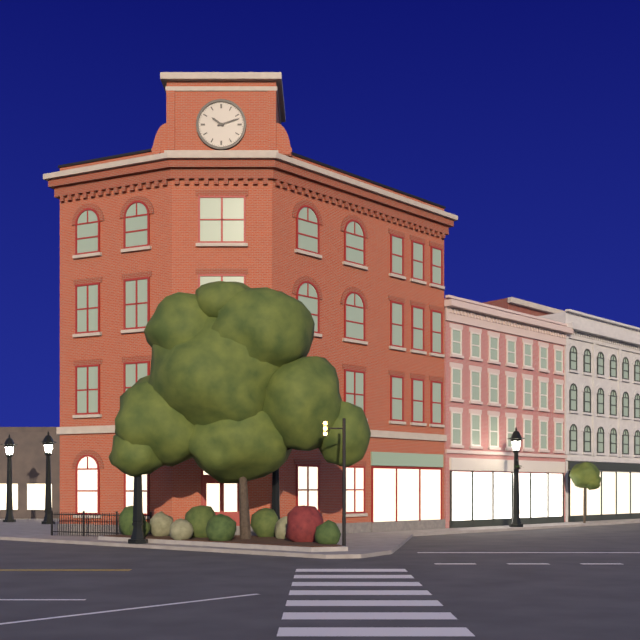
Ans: 10:12
